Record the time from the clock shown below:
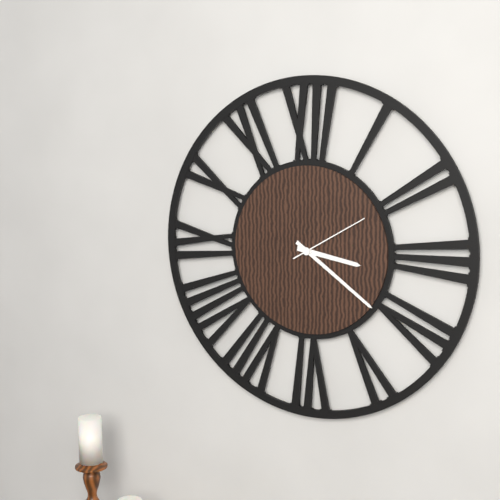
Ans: 3:21:10
